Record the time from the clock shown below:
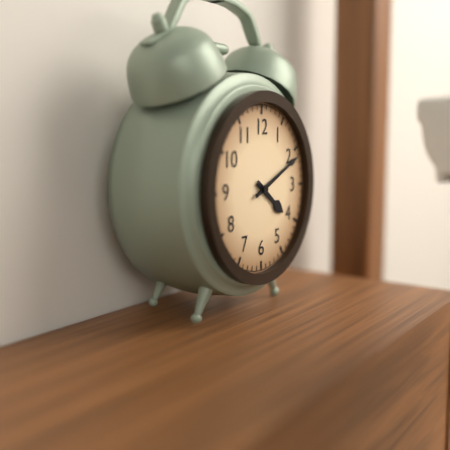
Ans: 4:11
